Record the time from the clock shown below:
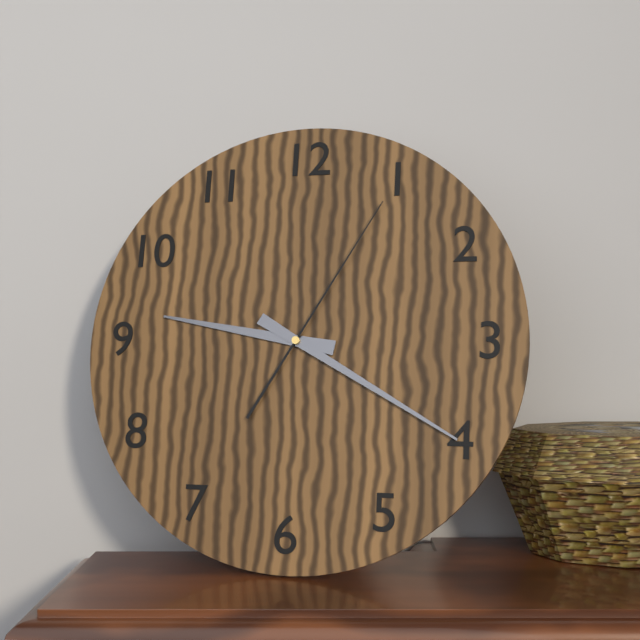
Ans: 9:20:05
